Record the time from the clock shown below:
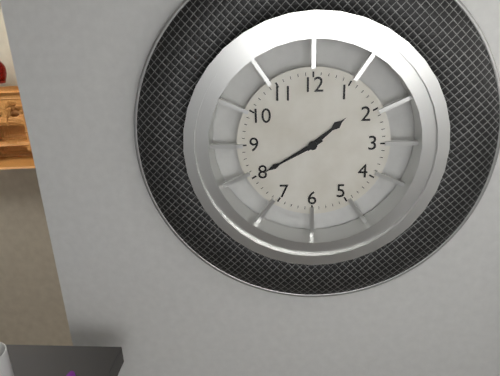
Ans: 1:40
